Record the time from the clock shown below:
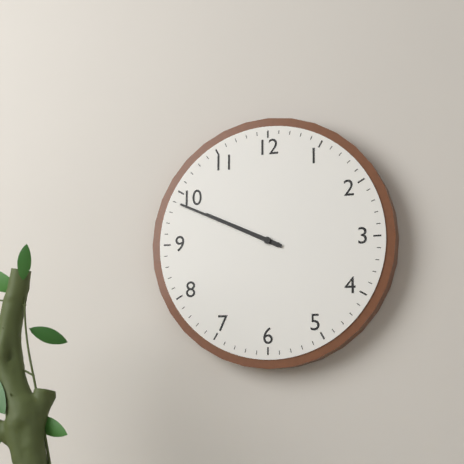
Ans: 9:49
